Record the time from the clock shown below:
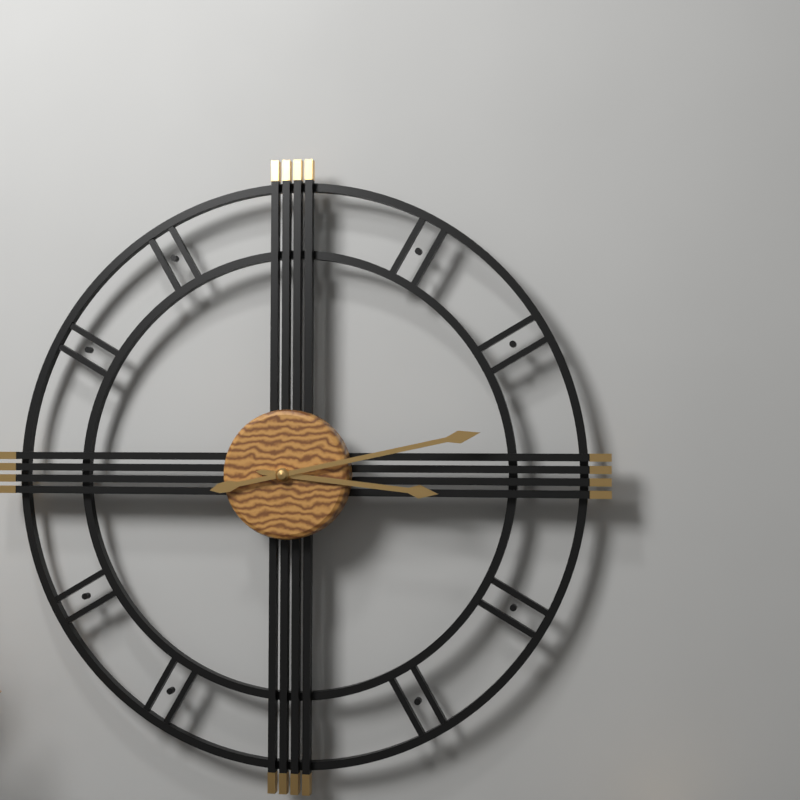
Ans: 3:13
